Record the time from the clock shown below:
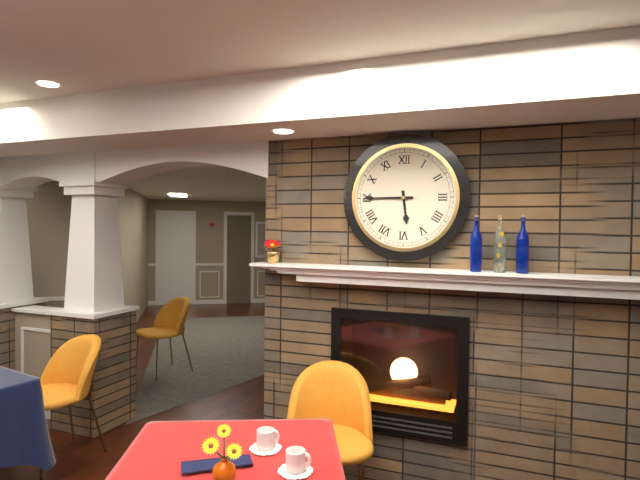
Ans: 5:45
